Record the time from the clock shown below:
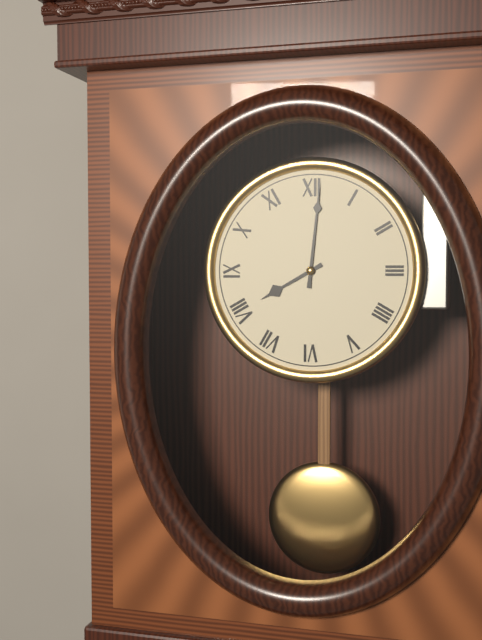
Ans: 8:01
